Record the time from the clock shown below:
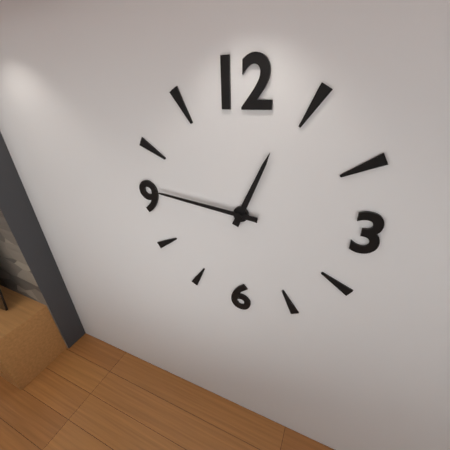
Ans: 12:46
